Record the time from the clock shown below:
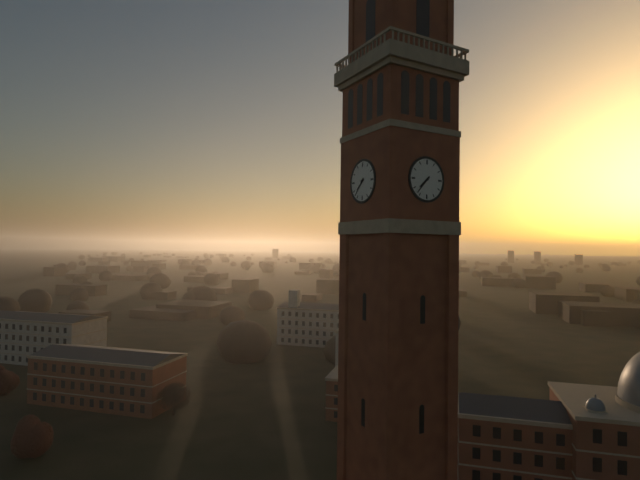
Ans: 7:37
